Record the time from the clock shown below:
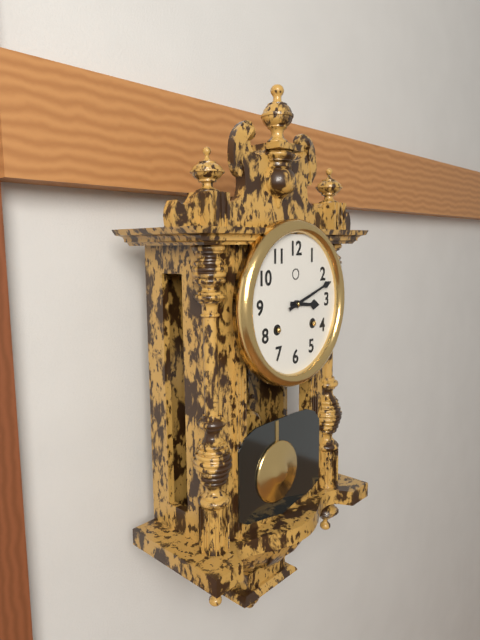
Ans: 3:12
